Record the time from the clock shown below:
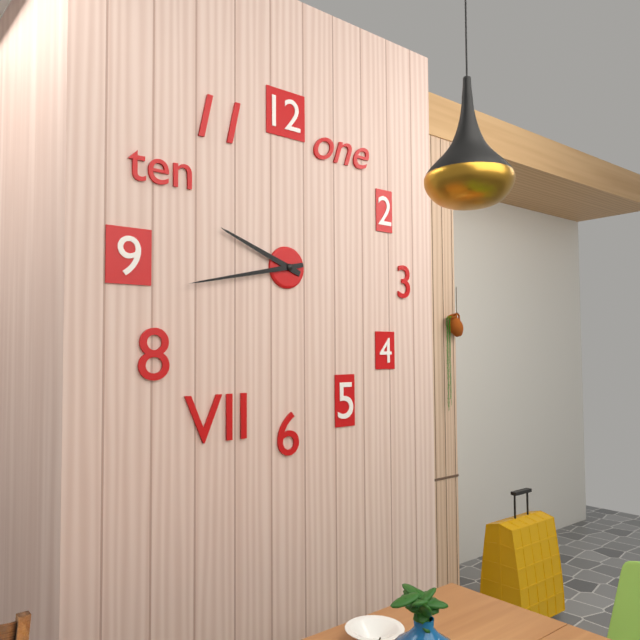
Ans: 9:43
